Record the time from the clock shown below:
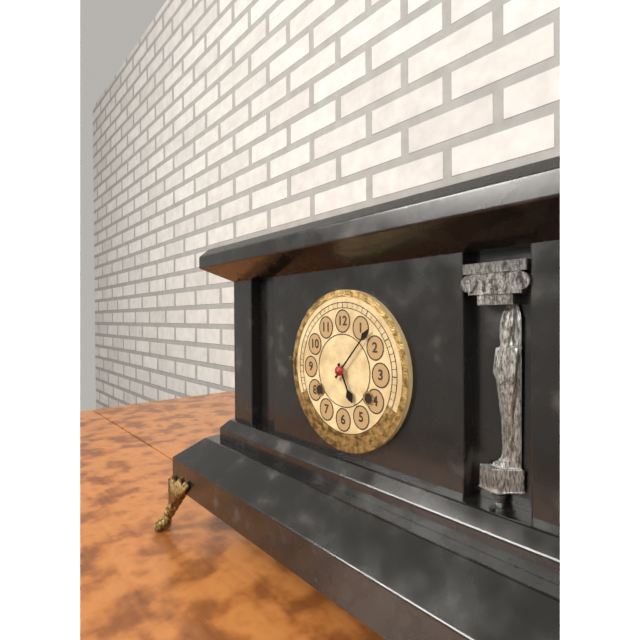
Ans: 5:07
